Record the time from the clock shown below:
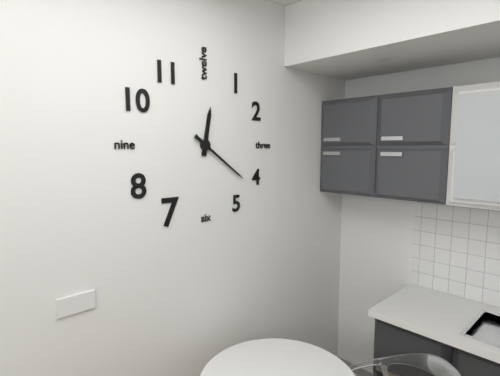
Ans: 12:21
